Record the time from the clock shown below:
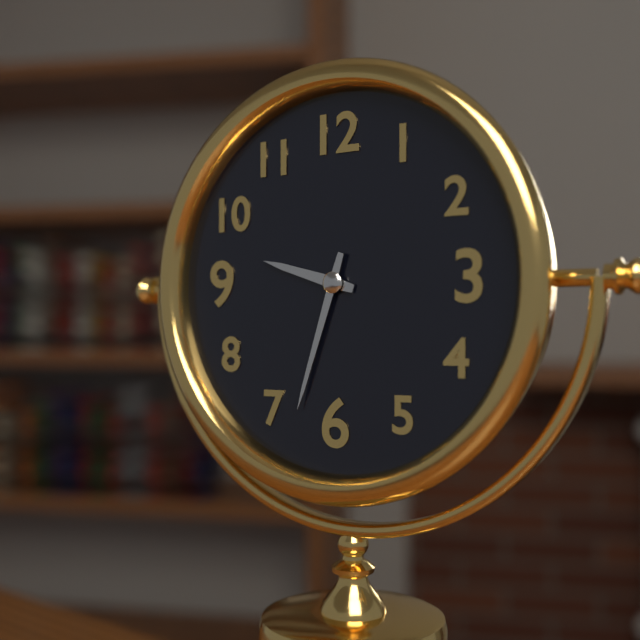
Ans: 9:33
